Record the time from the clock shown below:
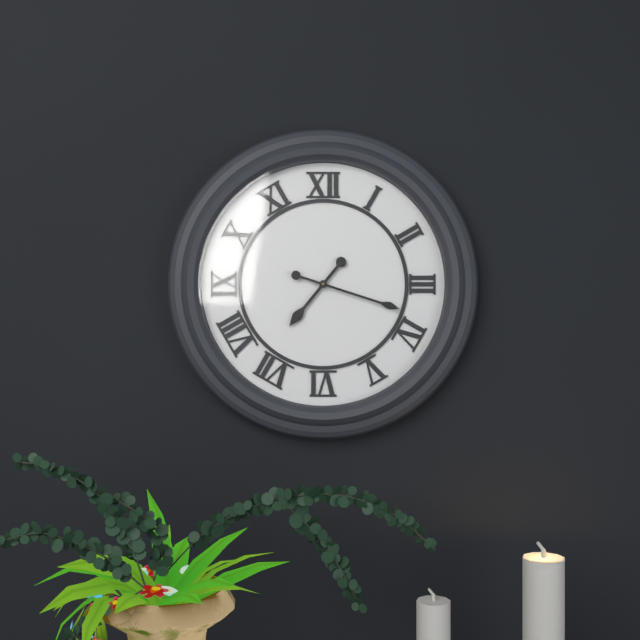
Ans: 7:18
